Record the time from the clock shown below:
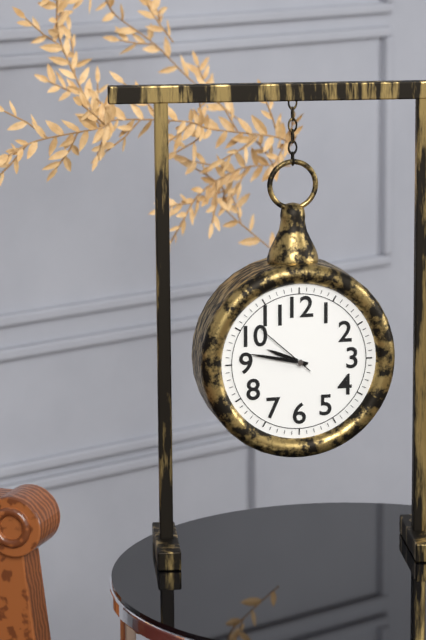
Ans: 9:47:52
